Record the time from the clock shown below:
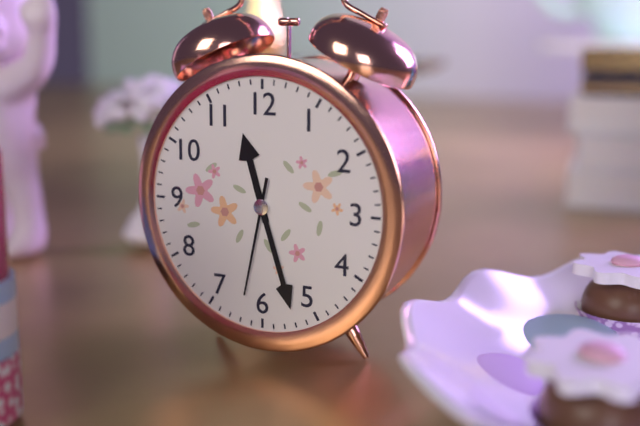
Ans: 11:27:32
